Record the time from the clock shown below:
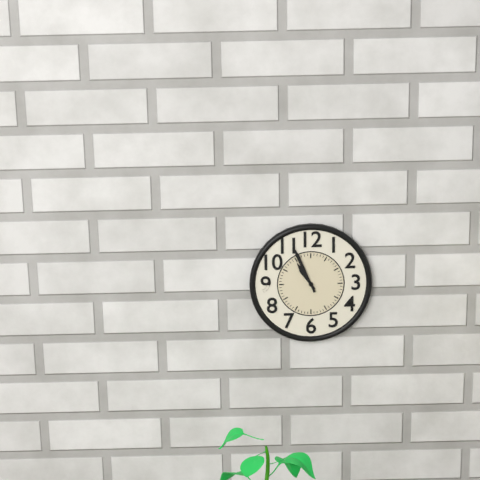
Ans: 10:56
